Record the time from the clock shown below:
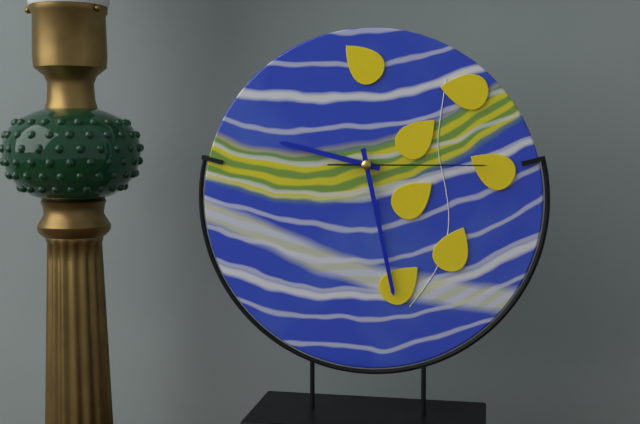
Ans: 9:28:15
